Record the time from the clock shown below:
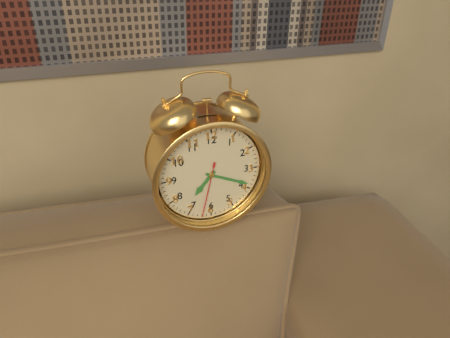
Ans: 7:19:32
